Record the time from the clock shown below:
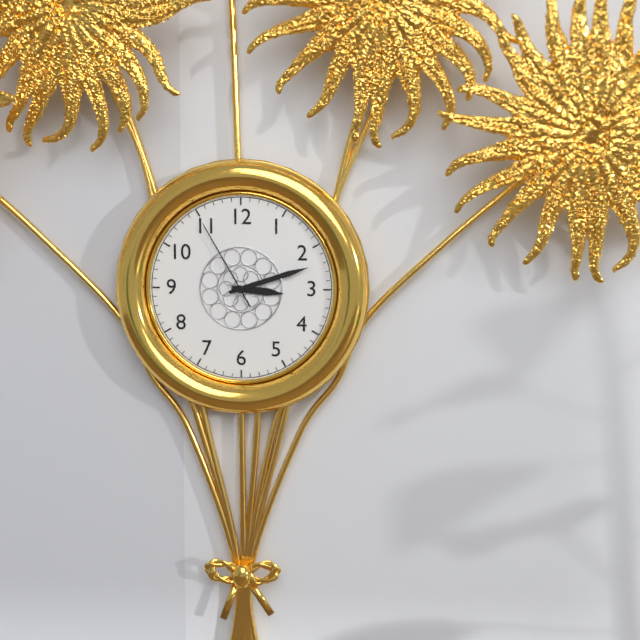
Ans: 3:12:55
